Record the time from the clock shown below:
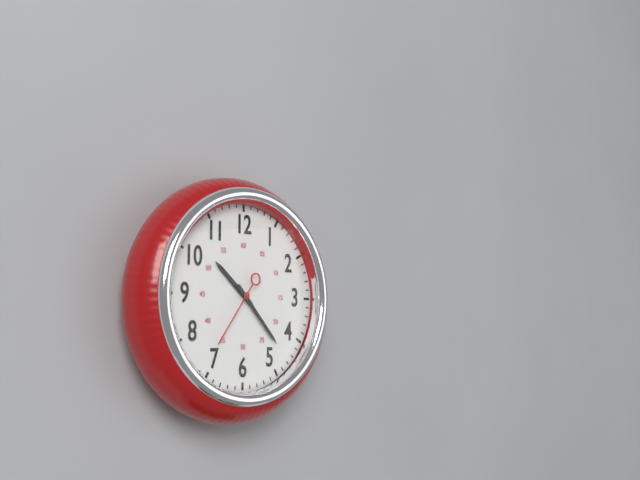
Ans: 10:23:36
